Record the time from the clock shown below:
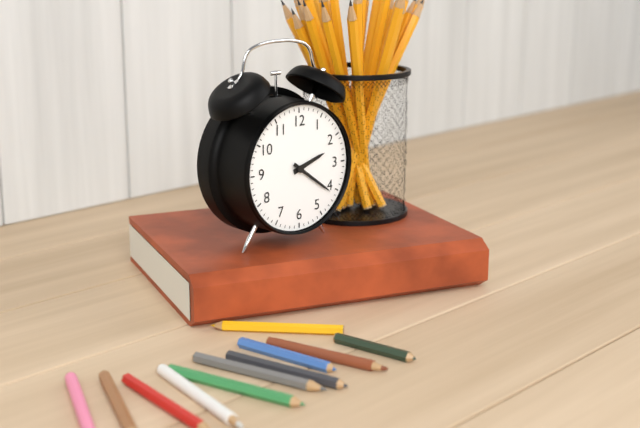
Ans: 2:21
